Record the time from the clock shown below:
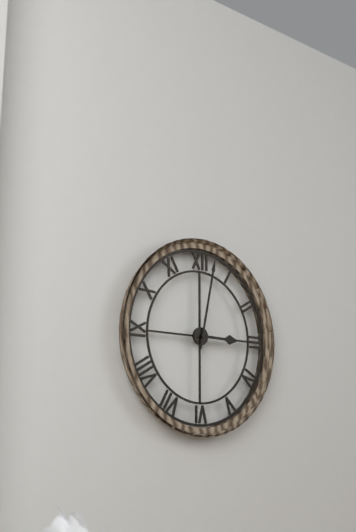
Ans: 3:02
